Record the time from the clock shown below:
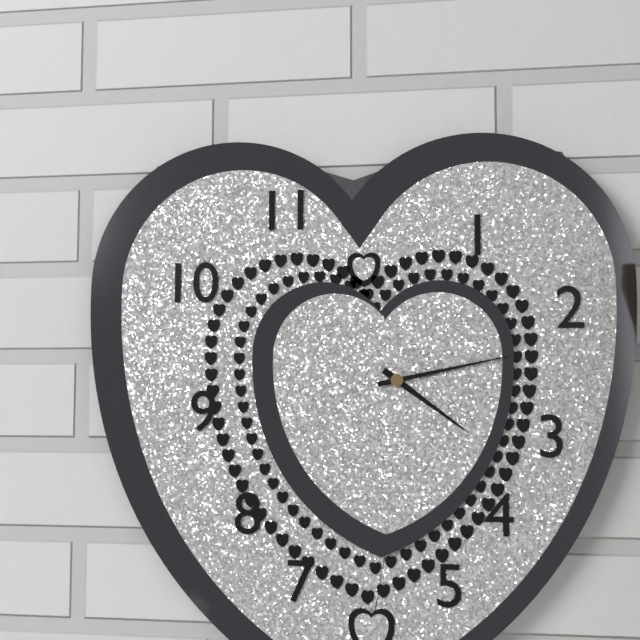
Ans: 4:13
